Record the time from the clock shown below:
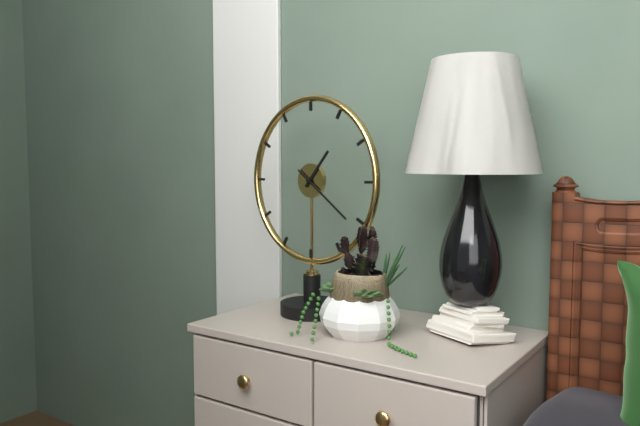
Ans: 1:21
